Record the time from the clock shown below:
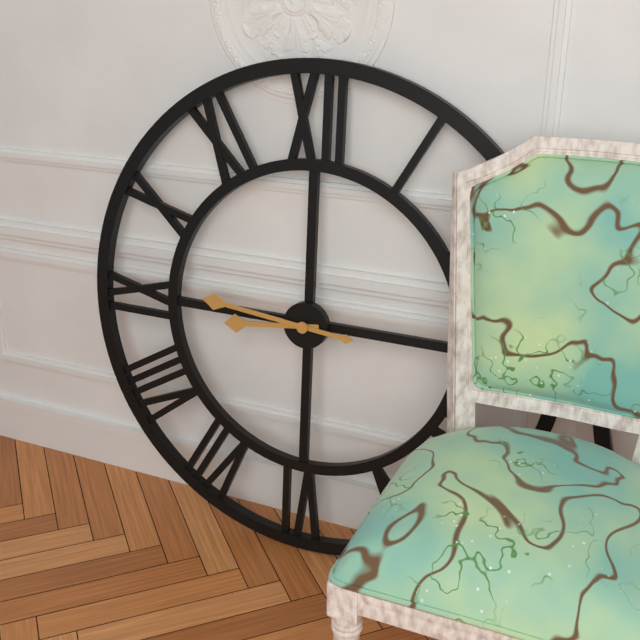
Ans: 8:46
